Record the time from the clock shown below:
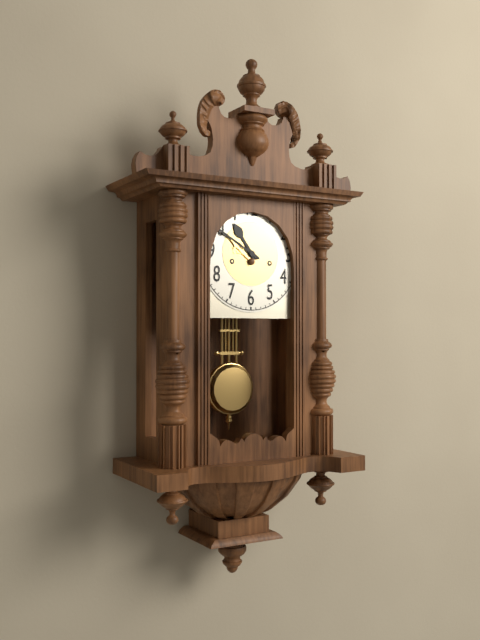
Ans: 10:50
